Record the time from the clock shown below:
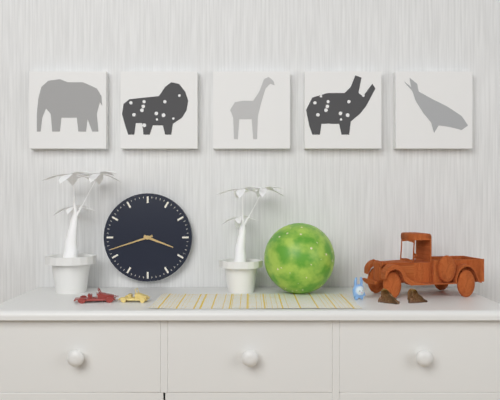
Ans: 3:42
